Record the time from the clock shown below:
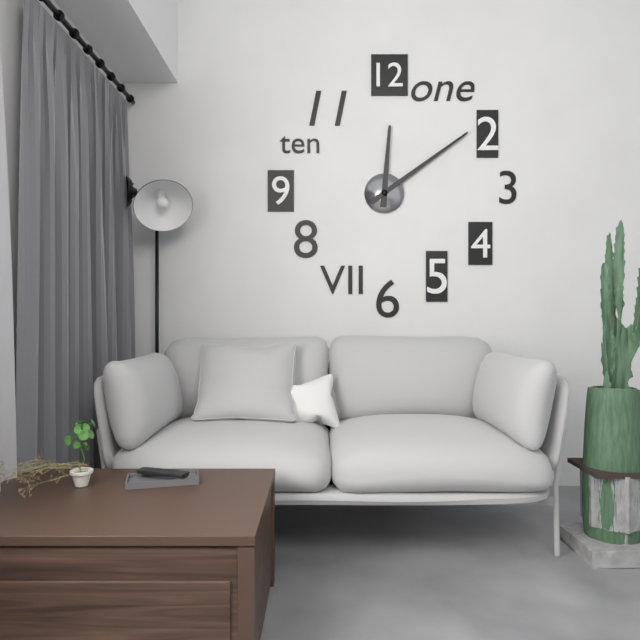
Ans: 12:09
